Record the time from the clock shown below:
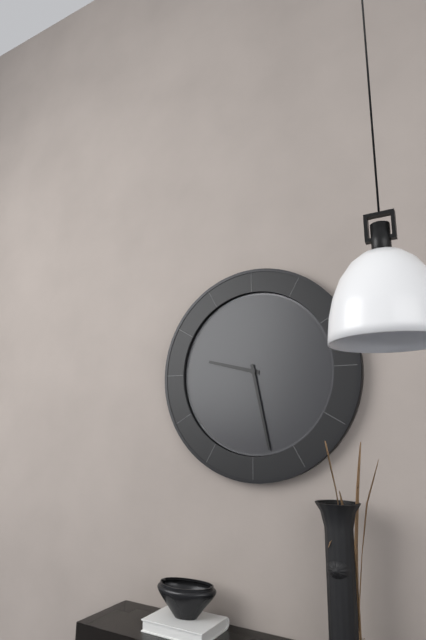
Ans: 9:28
